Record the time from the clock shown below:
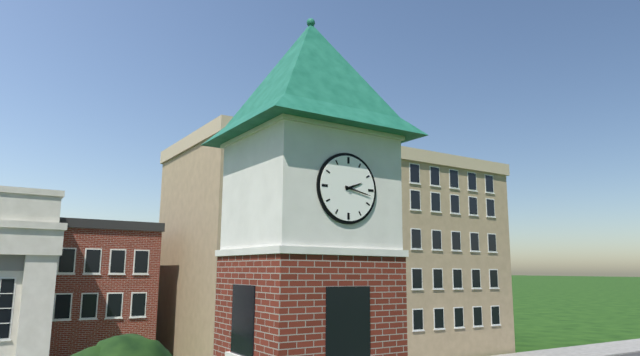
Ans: 2:17
